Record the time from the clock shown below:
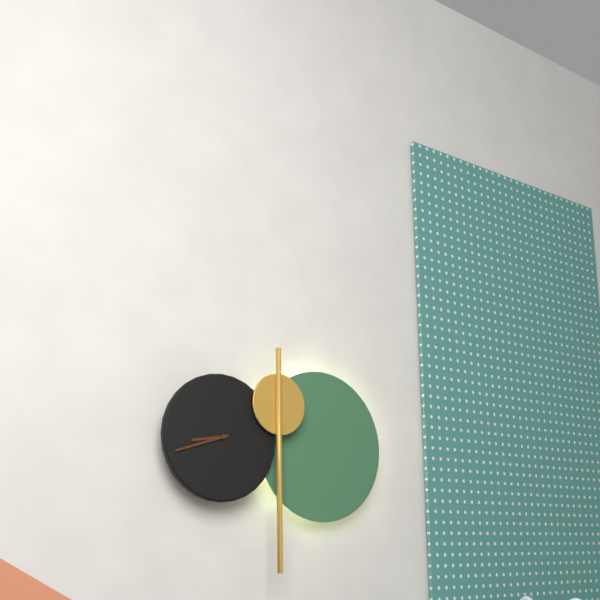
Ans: 8:42
